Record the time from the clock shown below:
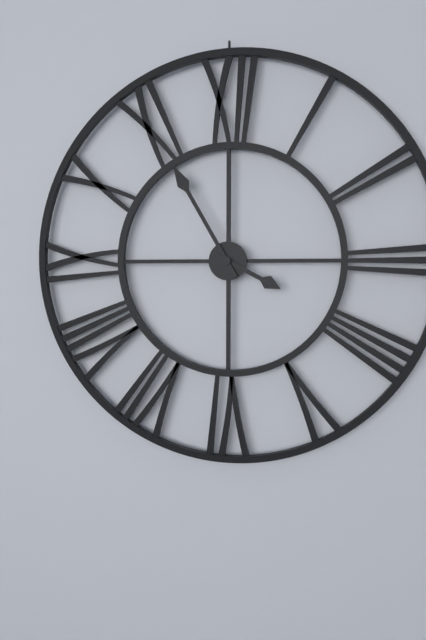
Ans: 3:55
